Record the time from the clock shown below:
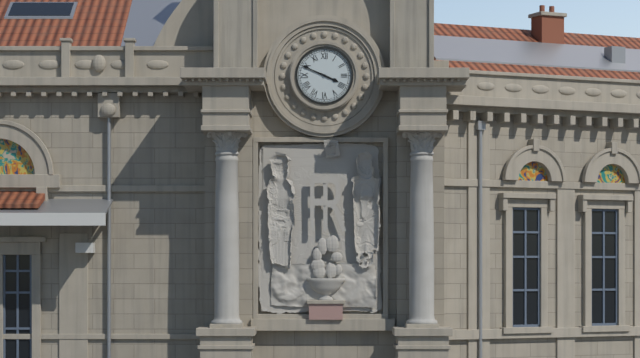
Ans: 3:49
